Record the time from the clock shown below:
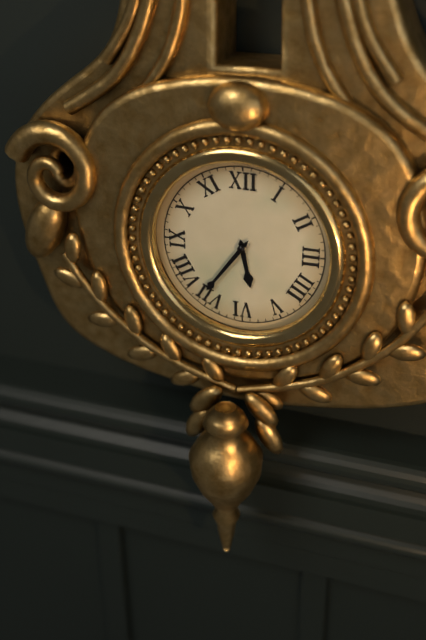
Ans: 5:36
